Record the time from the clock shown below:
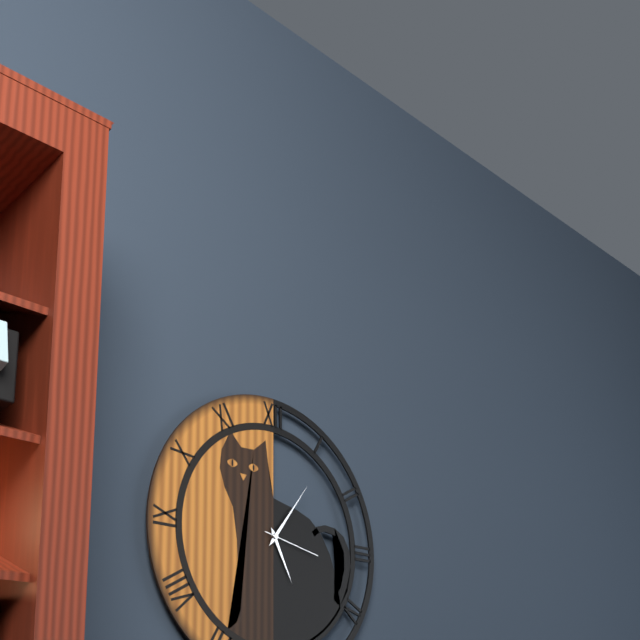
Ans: 5:06:17
